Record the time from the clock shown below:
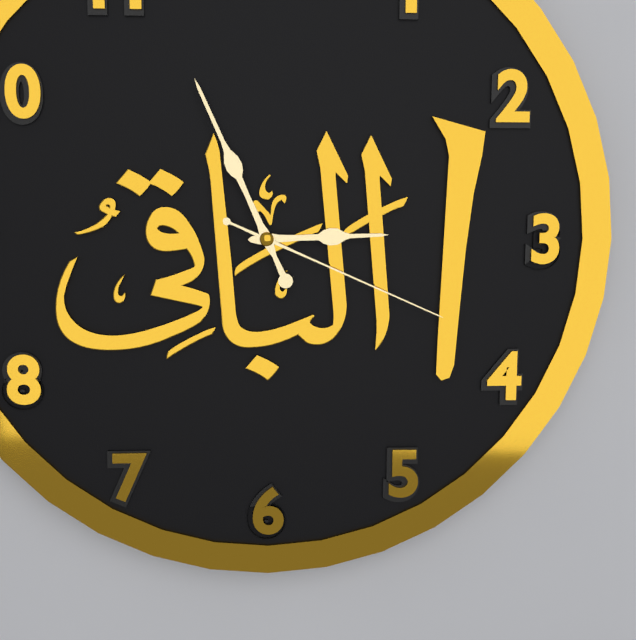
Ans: 2:56:19
